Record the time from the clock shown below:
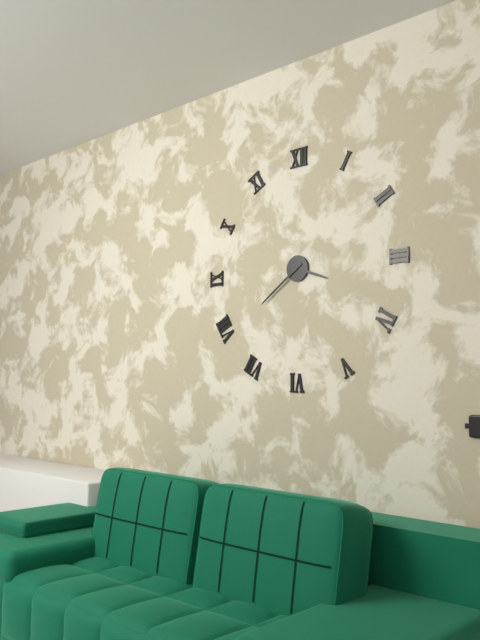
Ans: 3:39
